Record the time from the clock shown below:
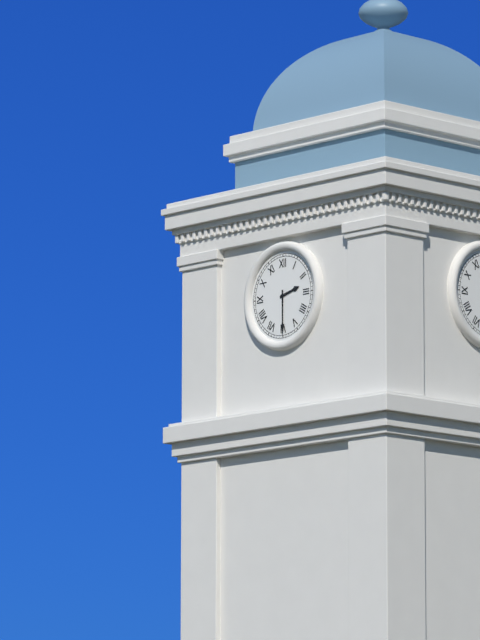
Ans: 2:30
